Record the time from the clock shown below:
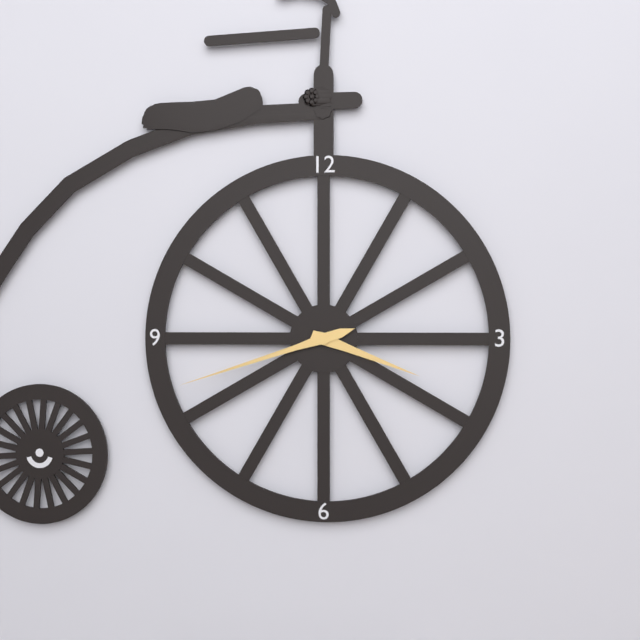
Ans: 3:42
